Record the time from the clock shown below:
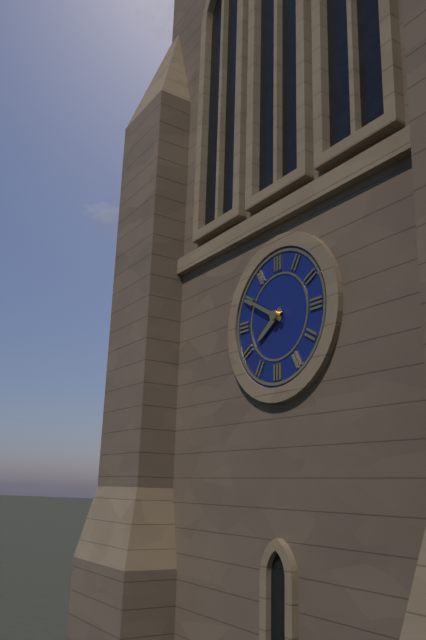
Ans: 7:50
